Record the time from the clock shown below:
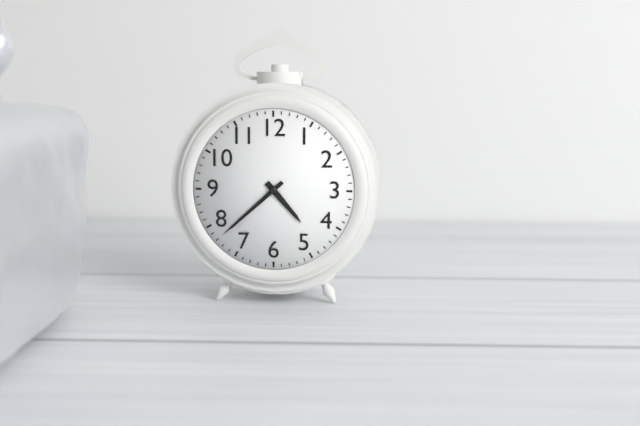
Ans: 4:38
